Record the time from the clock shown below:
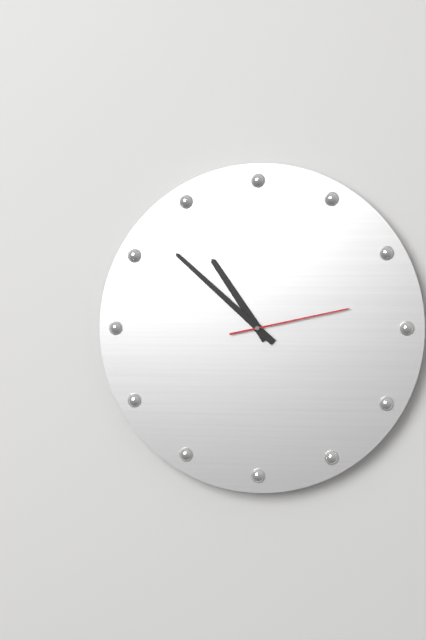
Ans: 10:52:13
